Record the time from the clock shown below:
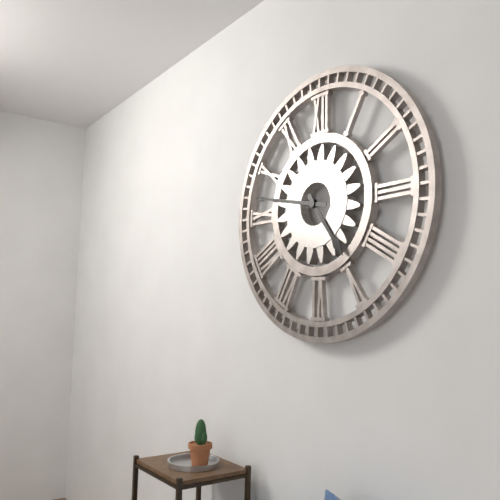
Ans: 4:47
